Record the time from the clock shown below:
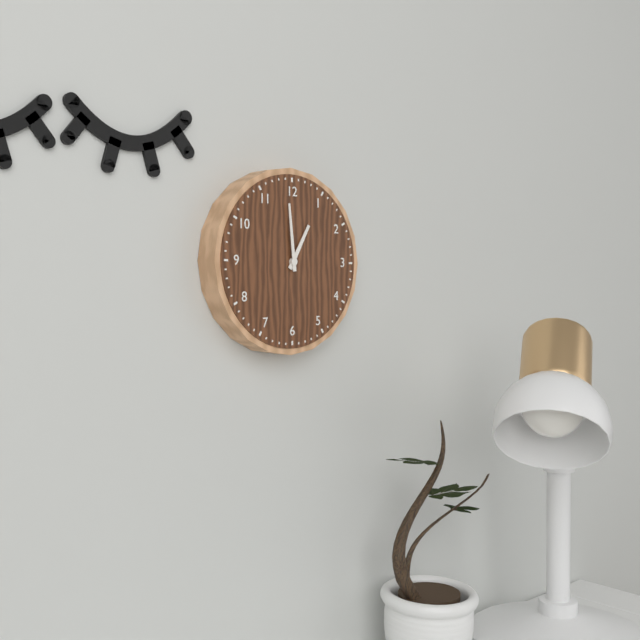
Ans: 12:59
